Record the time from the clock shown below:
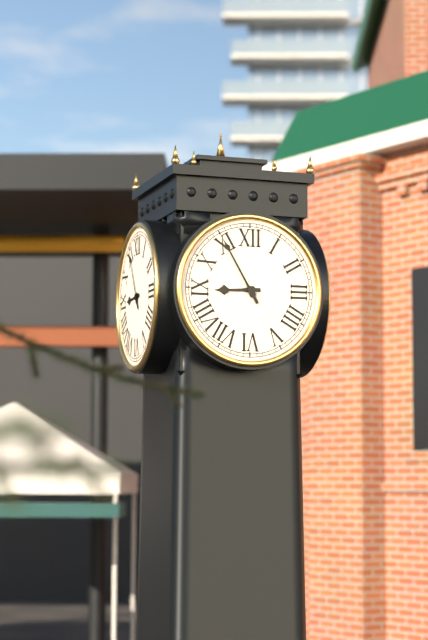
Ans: 8:55
